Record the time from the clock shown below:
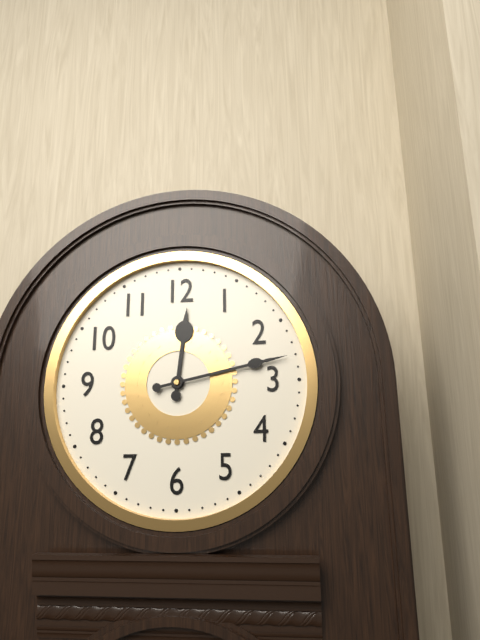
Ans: 12:13
